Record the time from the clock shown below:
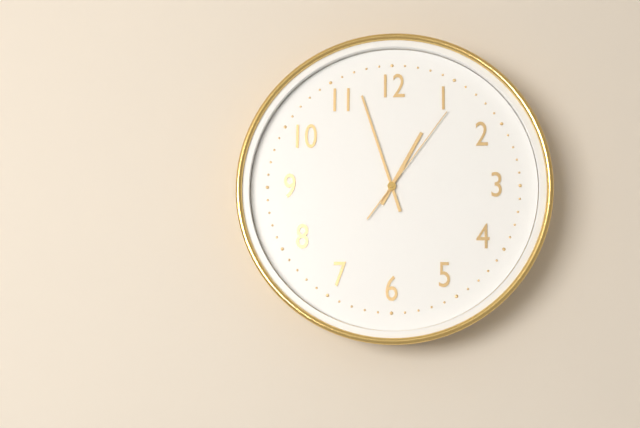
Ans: 12:57:06
